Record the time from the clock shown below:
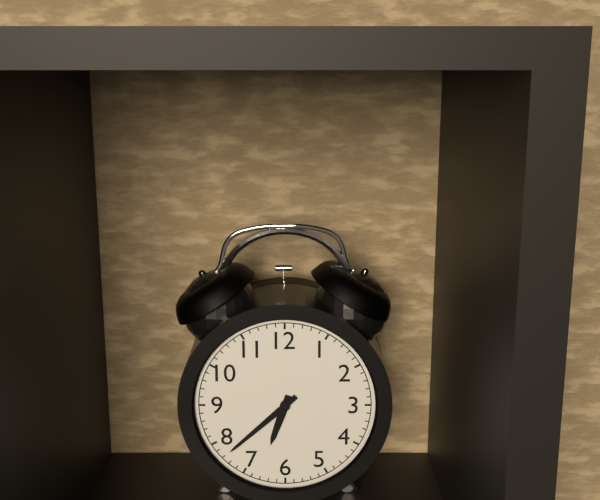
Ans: 6:38
